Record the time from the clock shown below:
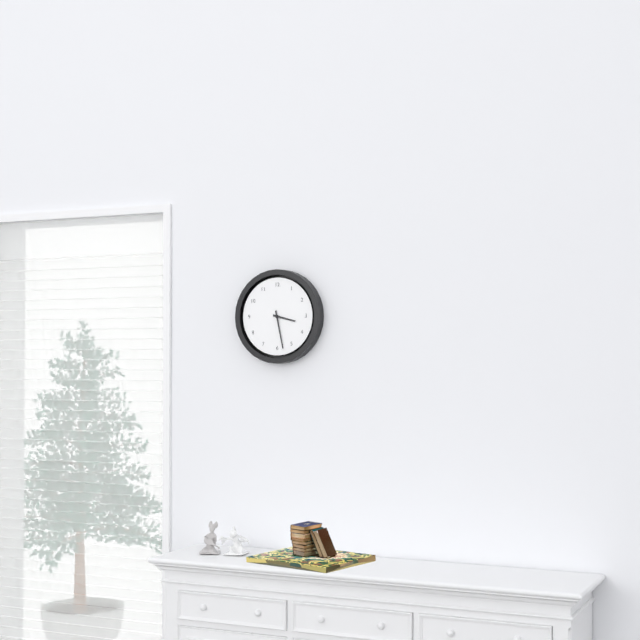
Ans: 3:28
